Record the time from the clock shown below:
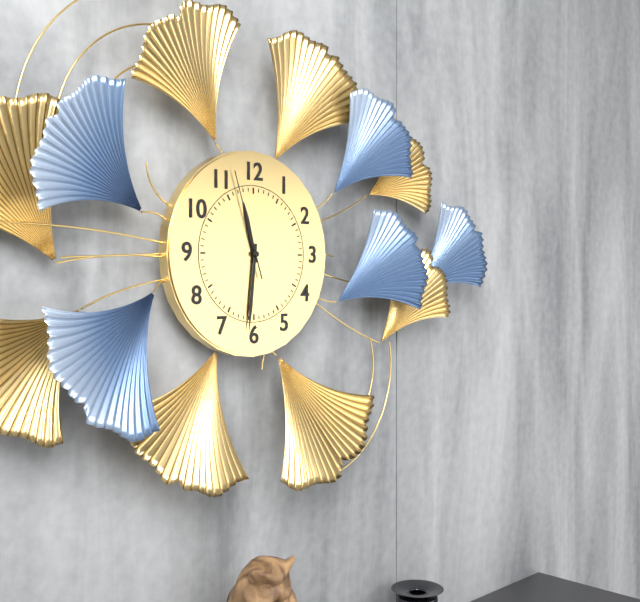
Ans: 11:31:57
